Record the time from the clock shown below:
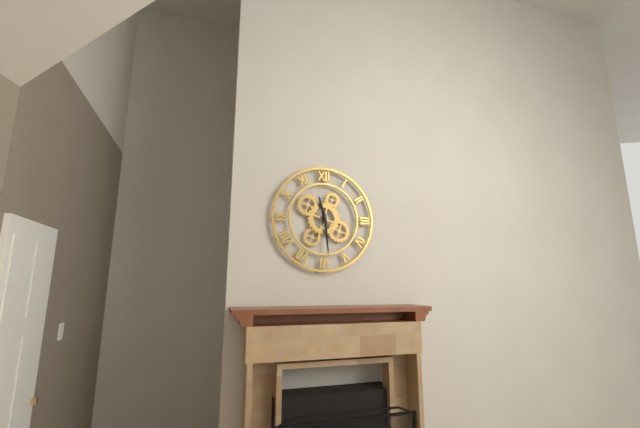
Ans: 11:29
